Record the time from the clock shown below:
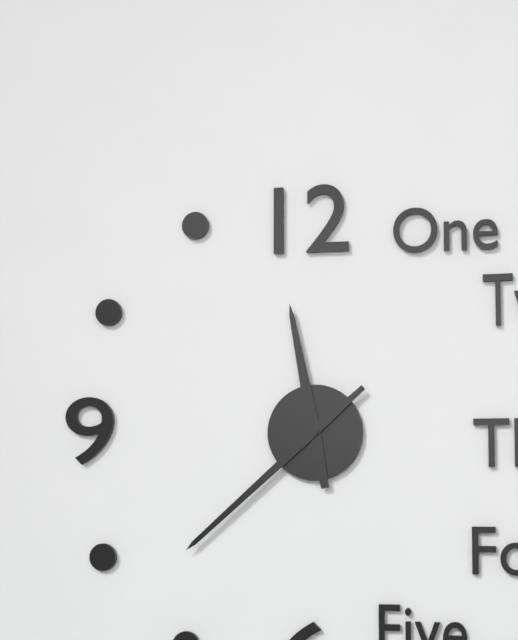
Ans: 11:38
